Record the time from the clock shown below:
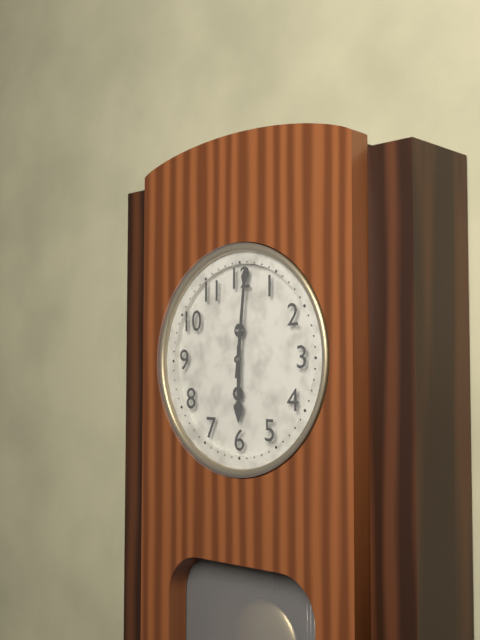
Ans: 6:01
